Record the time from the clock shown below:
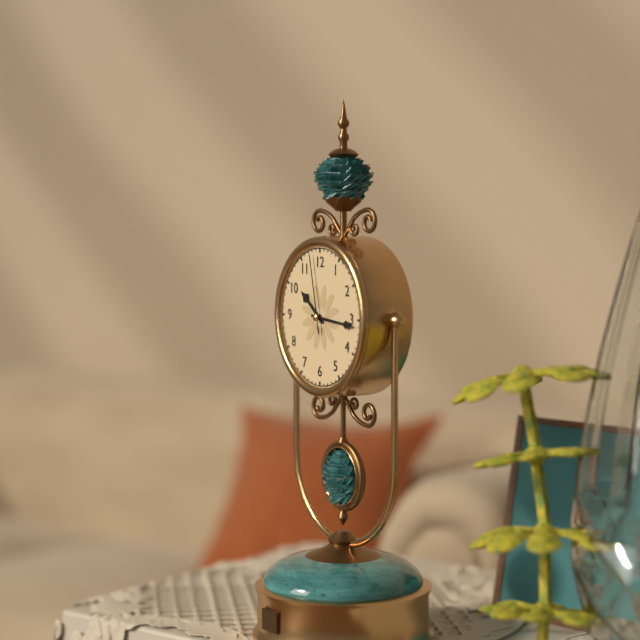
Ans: 10:16:58
